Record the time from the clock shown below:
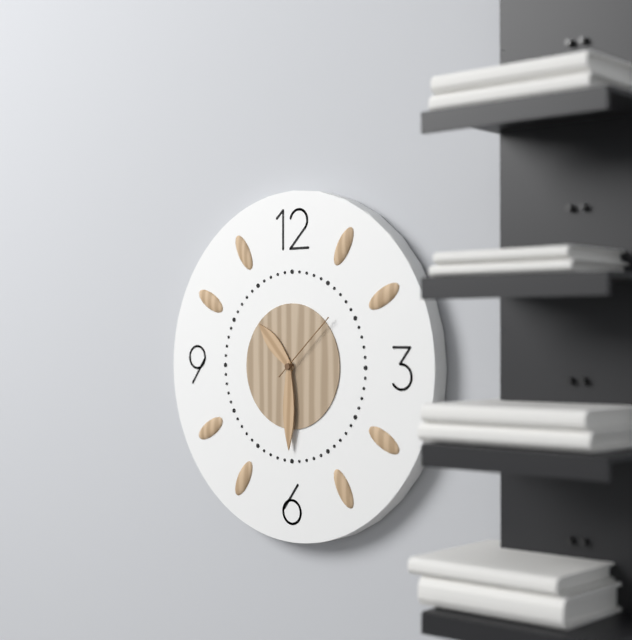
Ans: 10:30:08
